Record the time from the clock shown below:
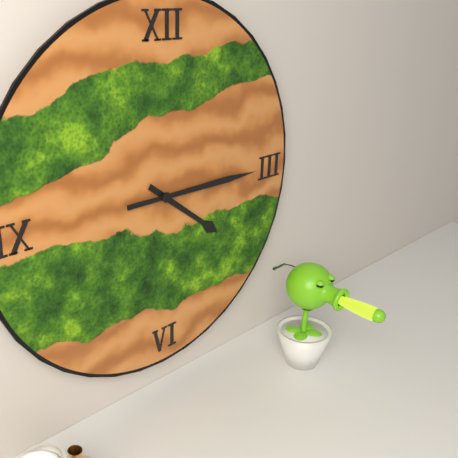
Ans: 4:15
